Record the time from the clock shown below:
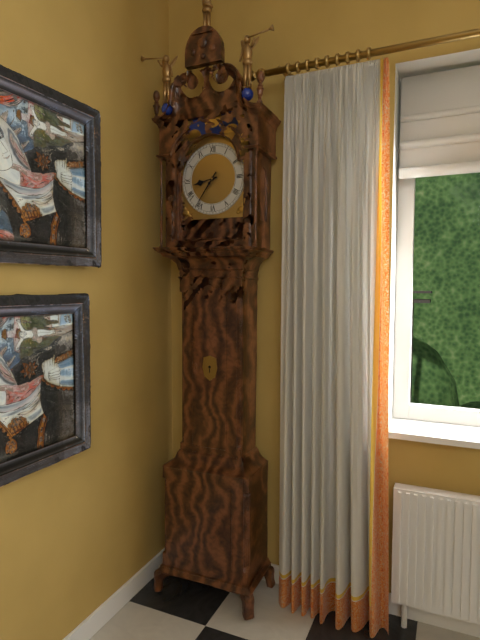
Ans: 8:36
